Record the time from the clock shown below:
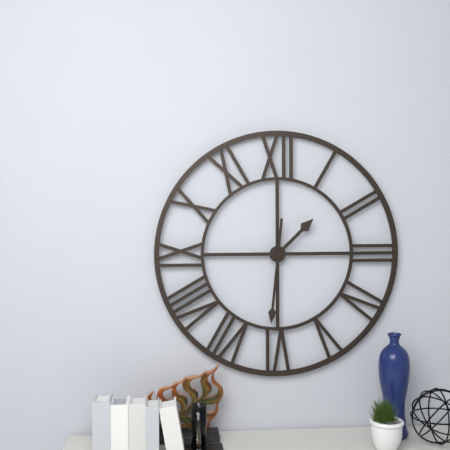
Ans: 1:31
